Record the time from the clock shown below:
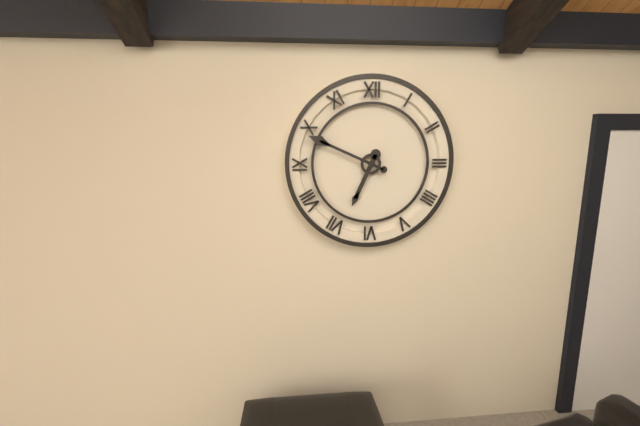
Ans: 6:49
